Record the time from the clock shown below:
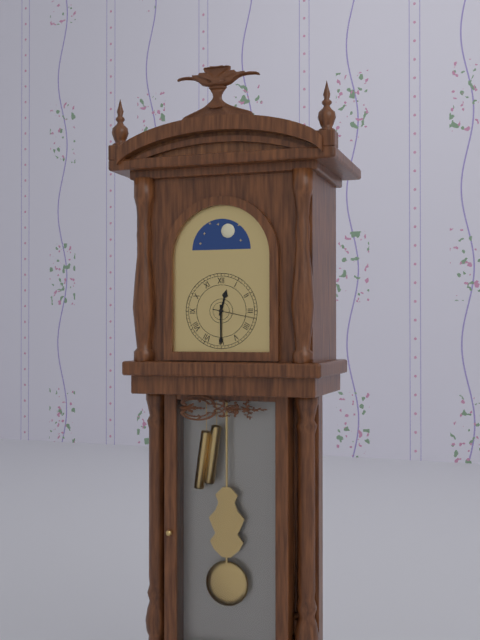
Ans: 12:30
